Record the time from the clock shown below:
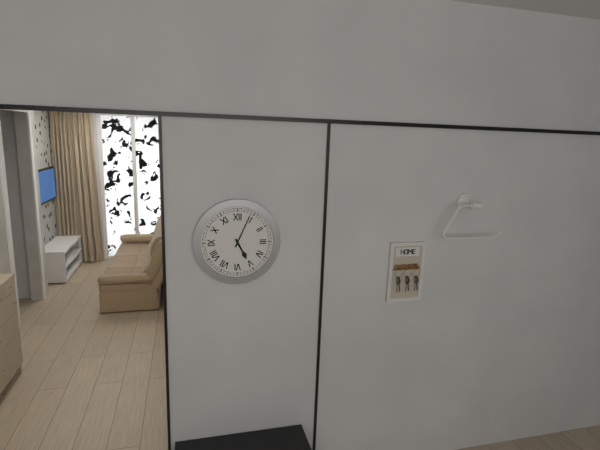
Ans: 5:04
